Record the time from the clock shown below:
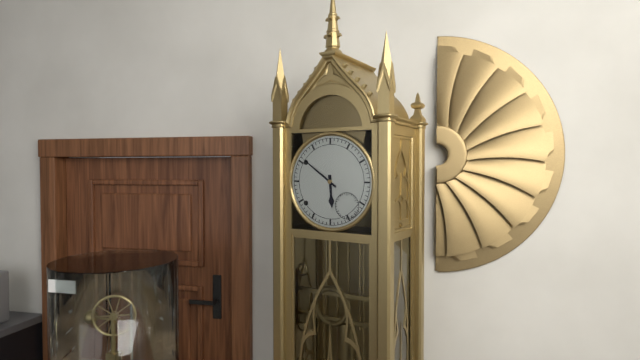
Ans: 5:51
